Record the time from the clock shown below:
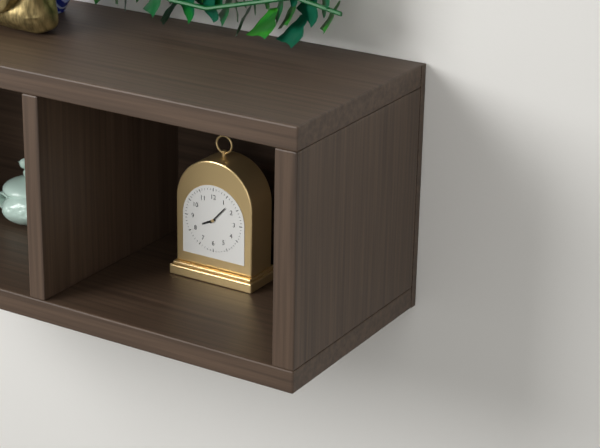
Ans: 8:07
